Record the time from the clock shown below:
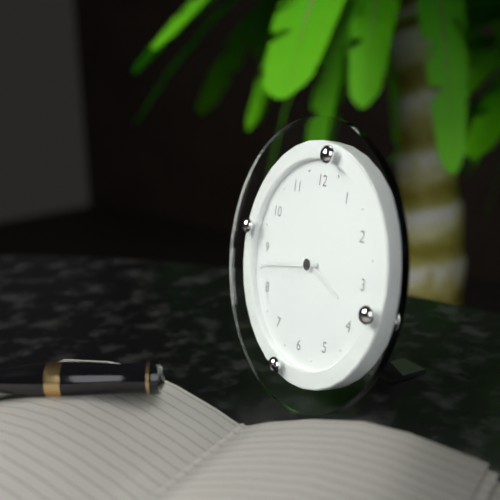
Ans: 3:43
